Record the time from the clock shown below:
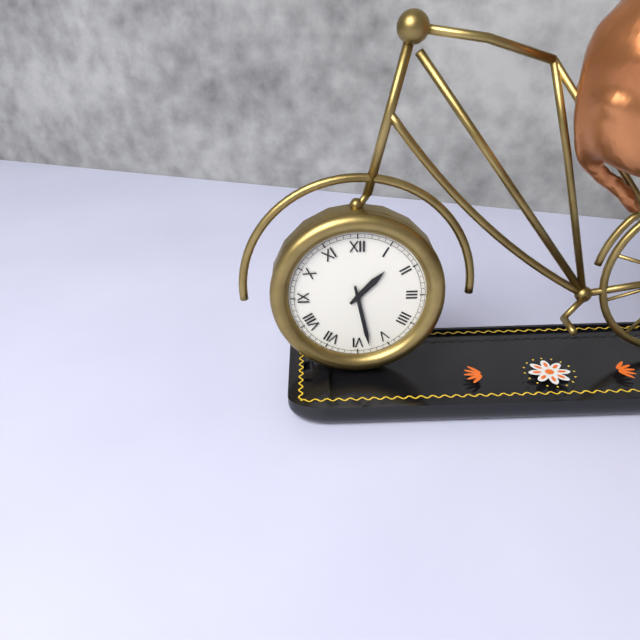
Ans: 1:28
